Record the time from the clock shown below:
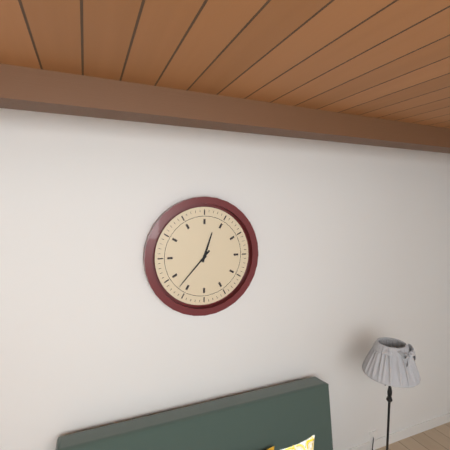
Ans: 12:37
